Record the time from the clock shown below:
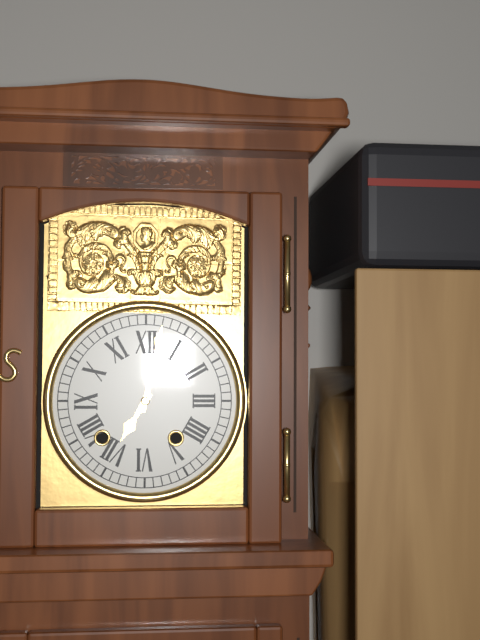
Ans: 7:02
